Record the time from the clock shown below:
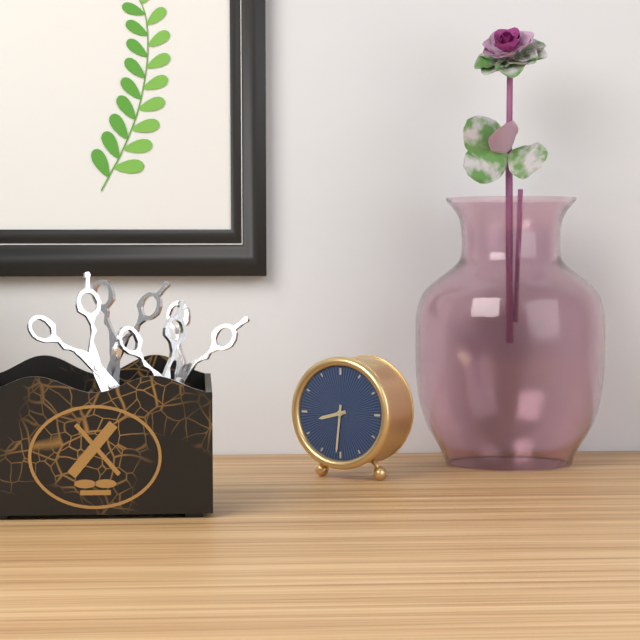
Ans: 8:31
